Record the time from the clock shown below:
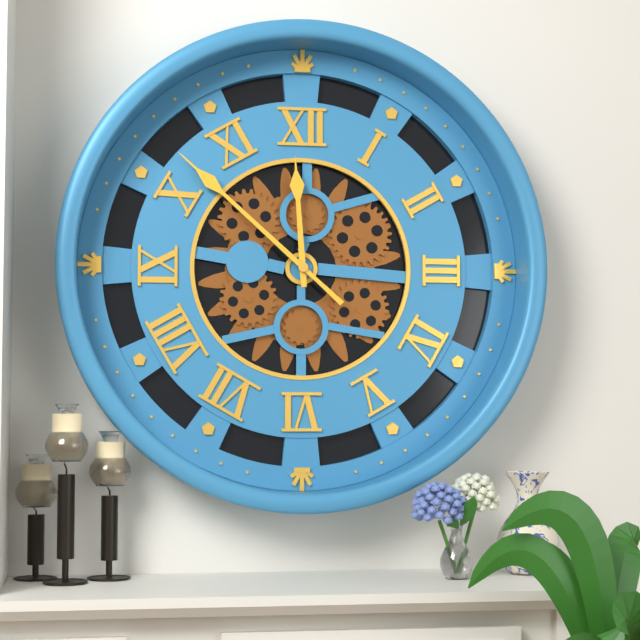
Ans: 11:52
